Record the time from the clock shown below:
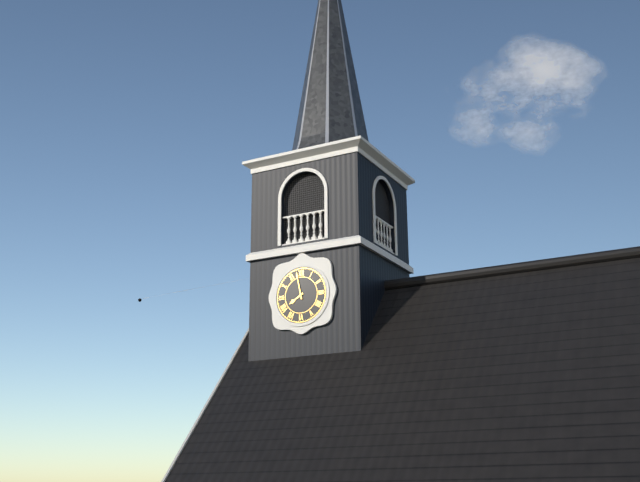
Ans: 7:58
